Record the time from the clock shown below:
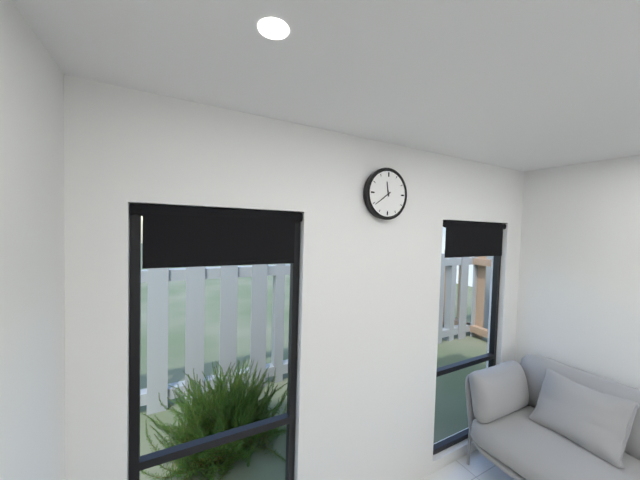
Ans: 11:39
